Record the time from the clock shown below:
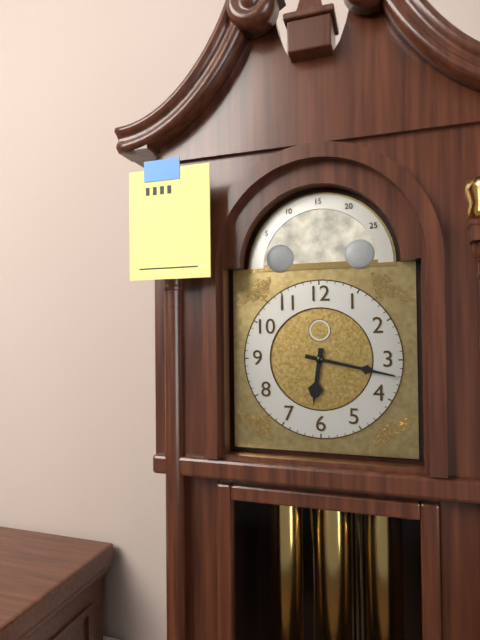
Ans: 6:17
